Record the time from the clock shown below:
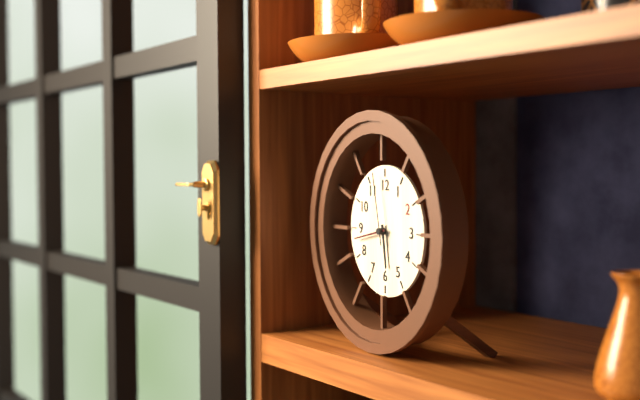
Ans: 5:43:58
